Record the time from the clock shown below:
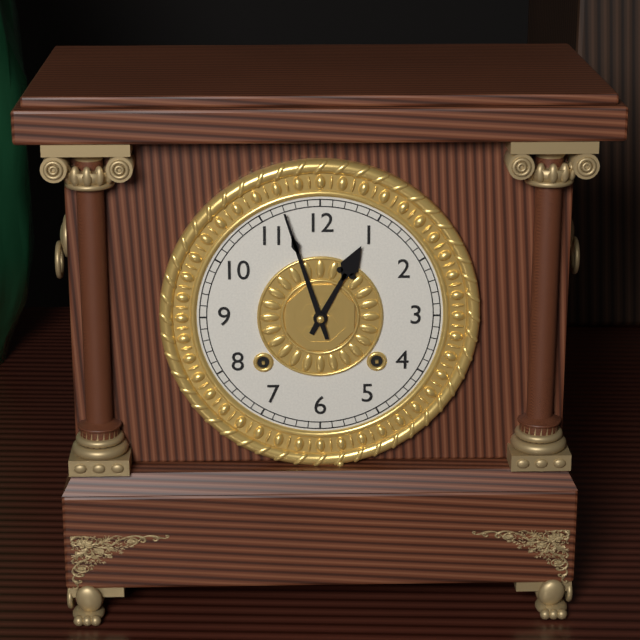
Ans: 12:57
